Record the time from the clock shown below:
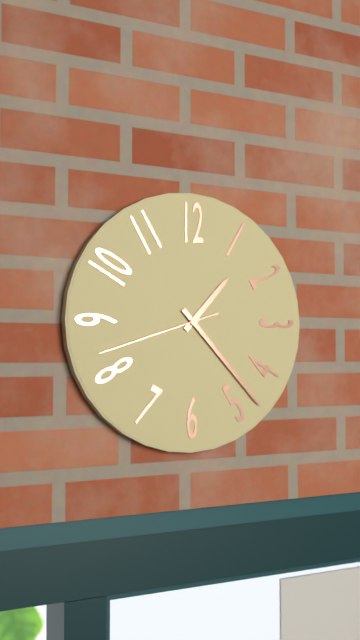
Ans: 1:23:42
